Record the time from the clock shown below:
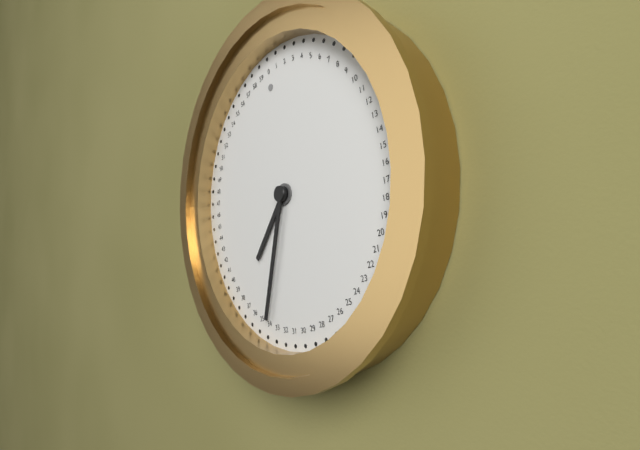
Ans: 7:34
